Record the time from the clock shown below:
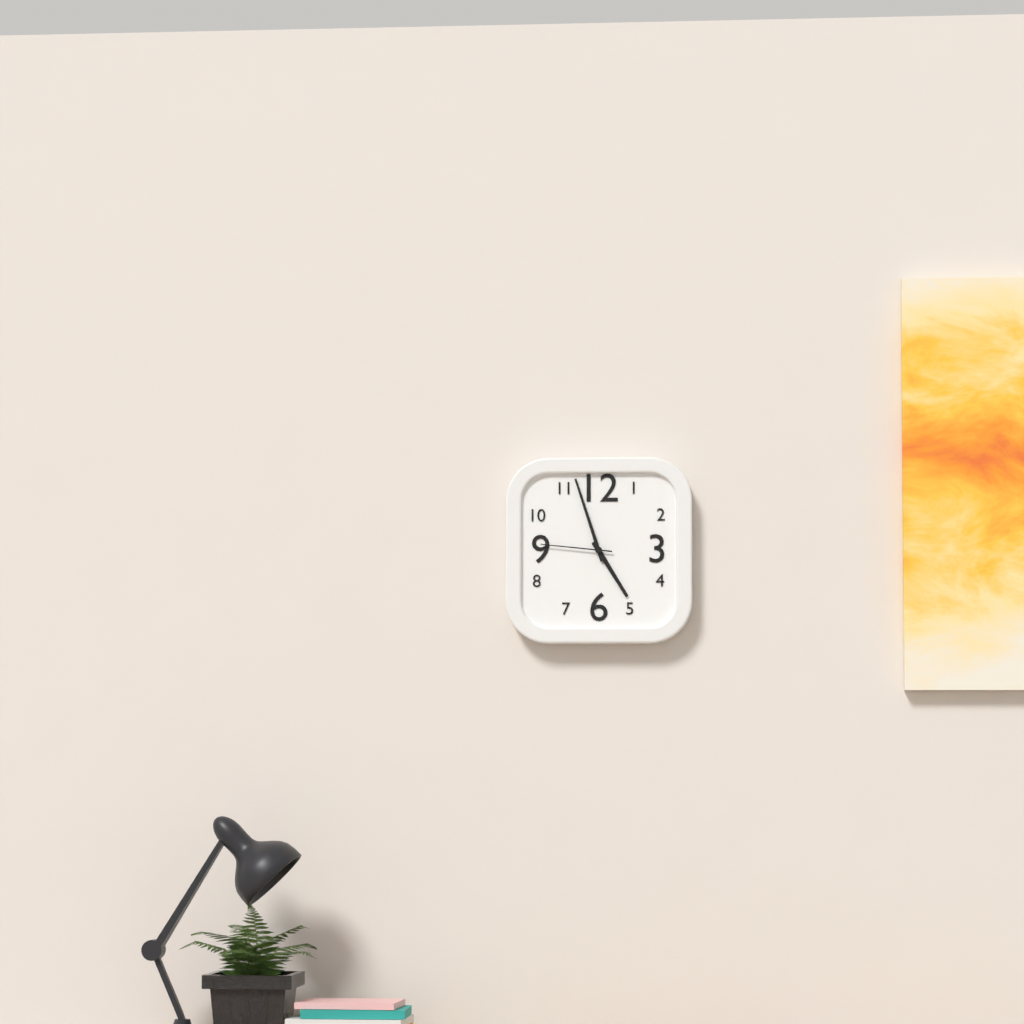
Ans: 4:57:46
